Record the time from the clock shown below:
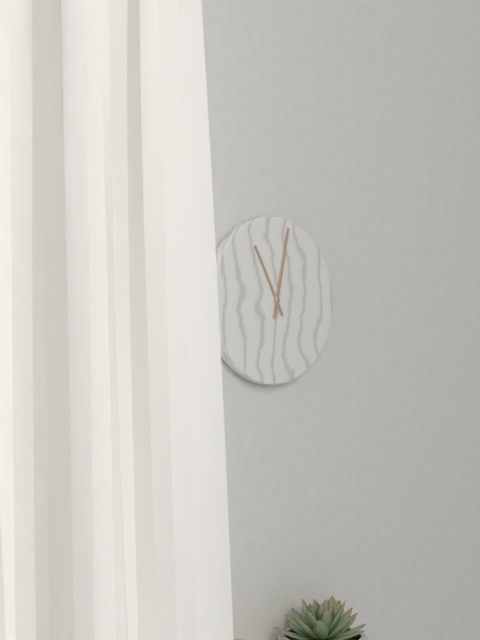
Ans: 11:02
